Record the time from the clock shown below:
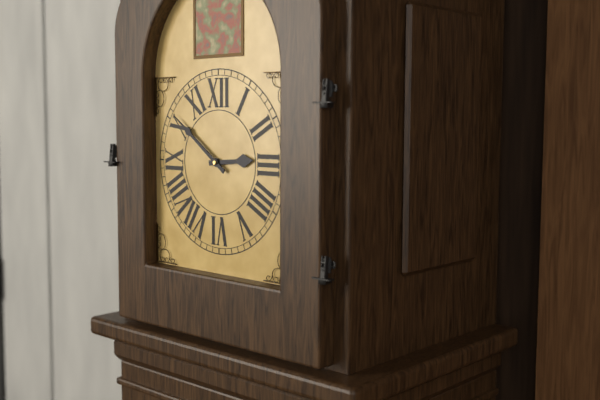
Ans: 2:51
